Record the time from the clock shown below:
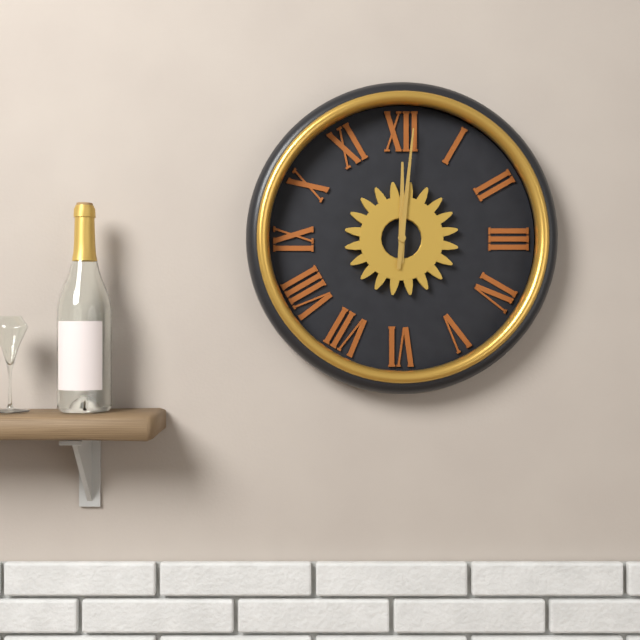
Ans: 12:01
